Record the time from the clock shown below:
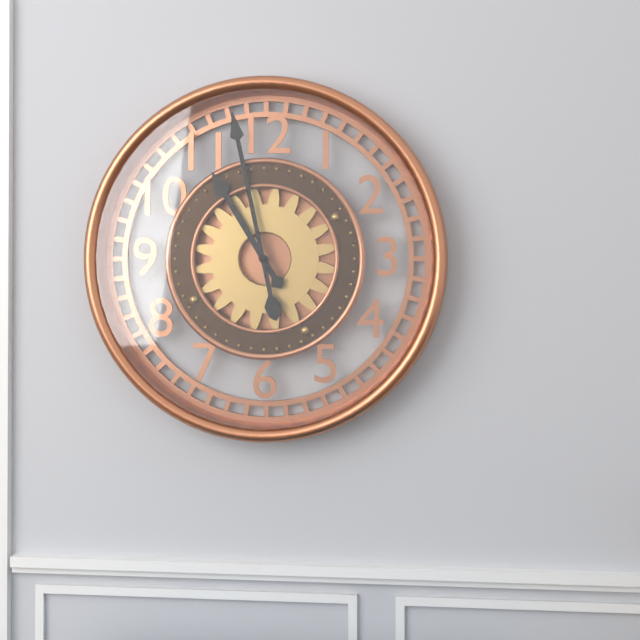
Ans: 10:58
